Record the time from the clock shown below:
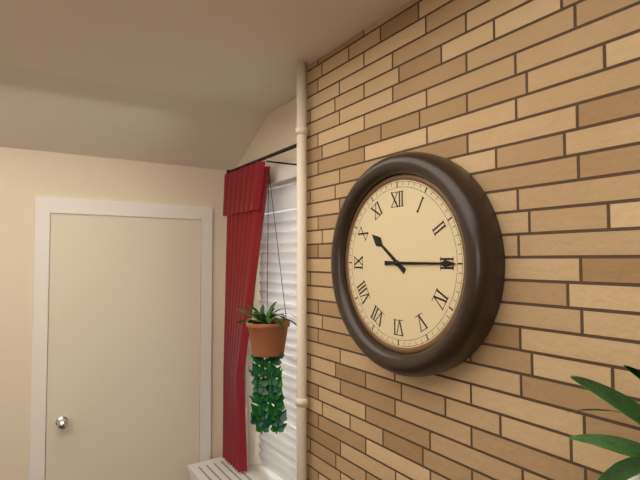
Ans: 10:15
